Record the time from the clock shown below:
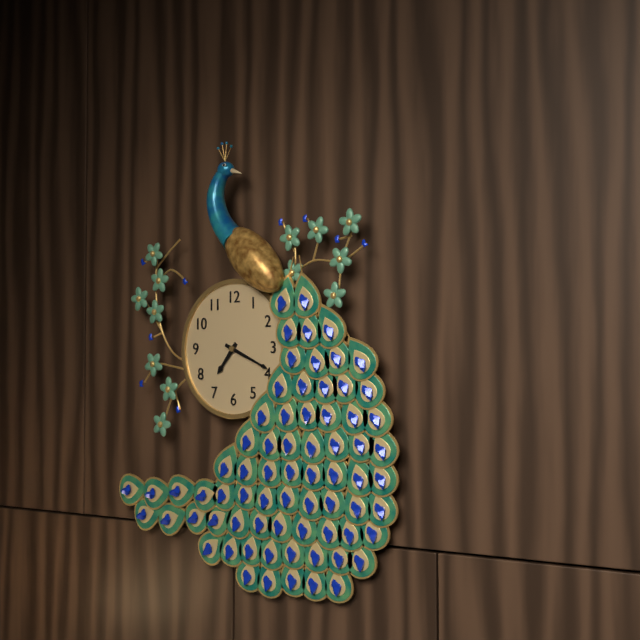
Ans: 7:19
